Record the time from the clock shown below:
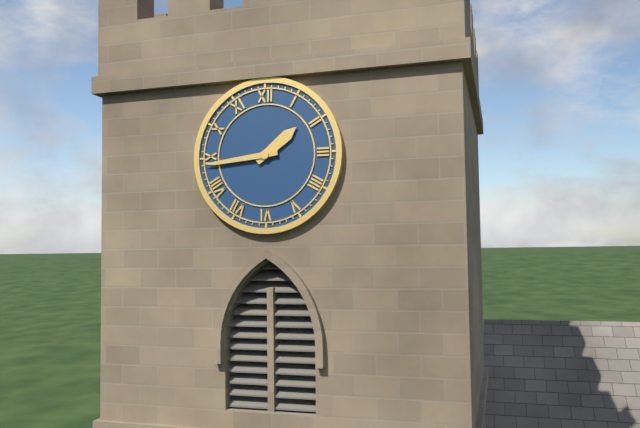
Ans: 1:44
